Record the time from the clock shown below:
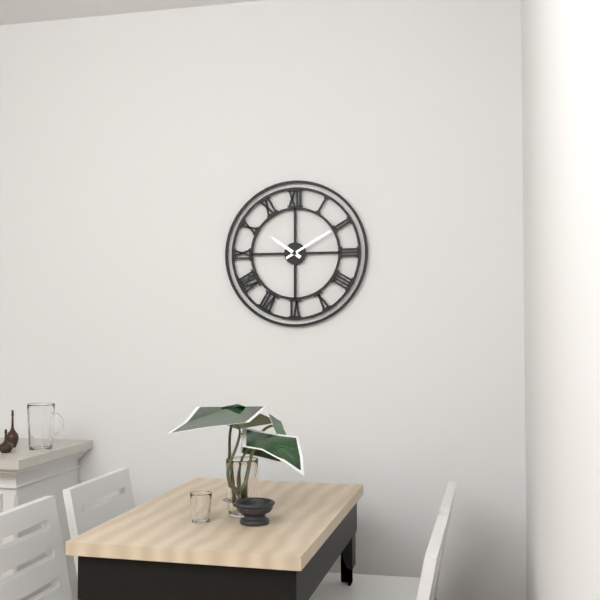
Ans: 10:10
